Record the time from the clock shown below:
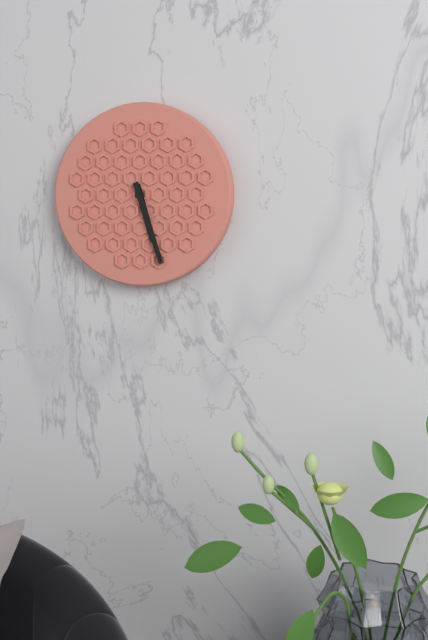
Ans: 5:27
